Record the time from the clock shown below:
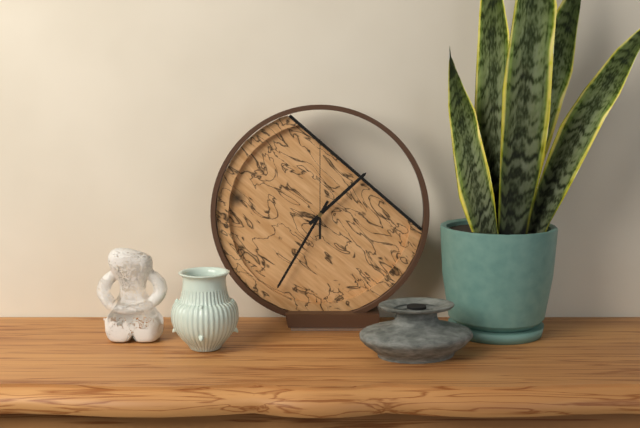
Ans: 1:35:00
